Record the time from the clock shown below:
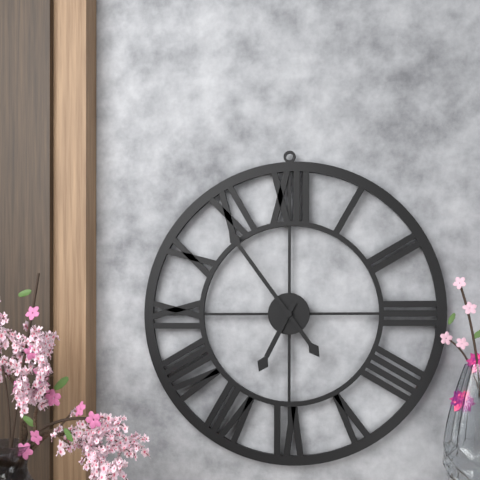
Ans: 6:54
